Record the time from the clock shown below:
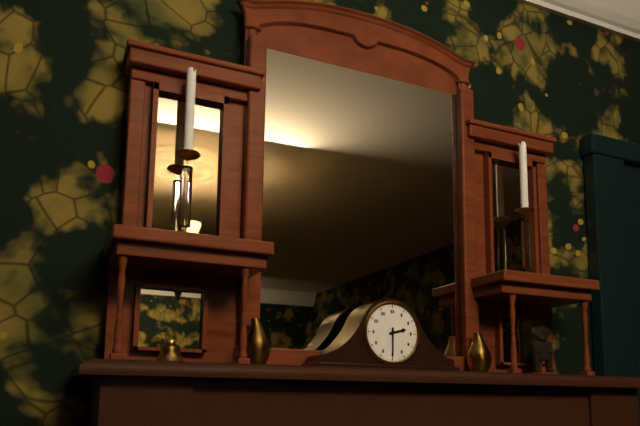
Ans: 2:30
